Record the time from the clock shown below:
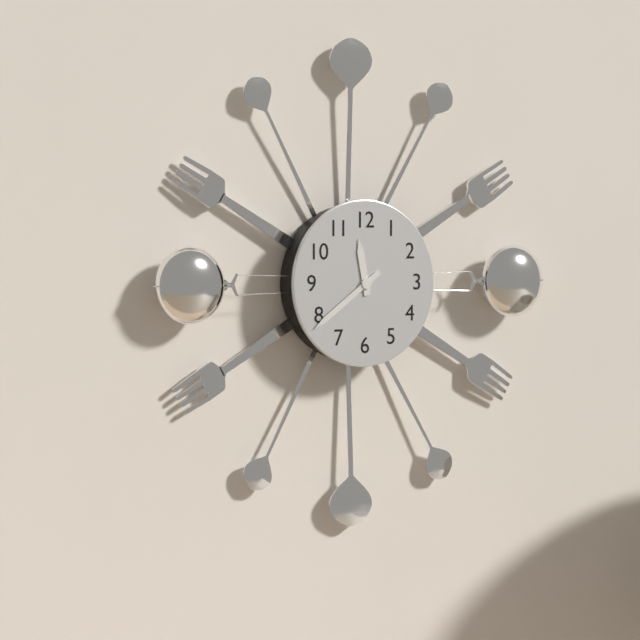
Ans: 11:39
